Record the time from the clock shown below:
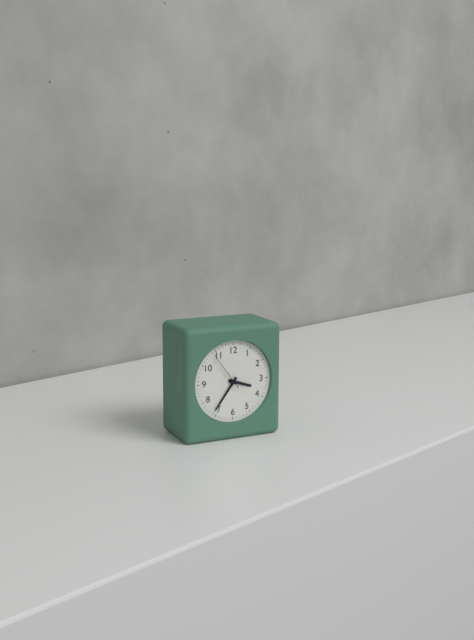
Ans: 3:36
